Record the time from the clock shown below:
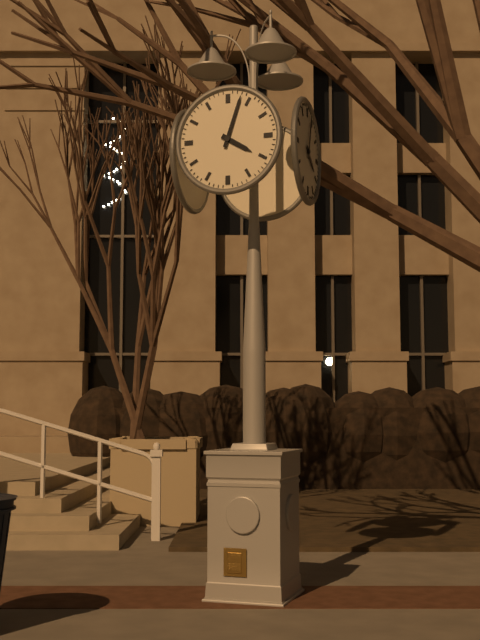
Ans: 4:03
